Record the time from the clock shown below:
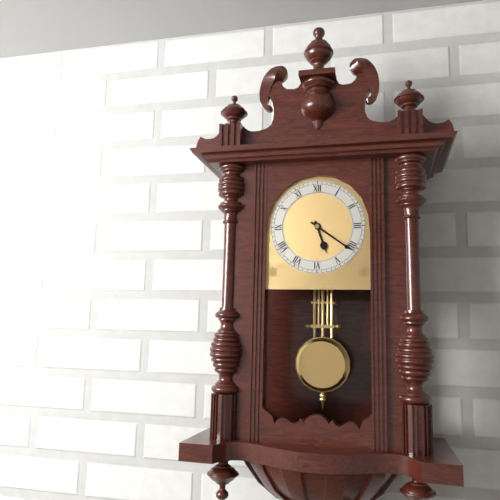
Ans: 5:21
